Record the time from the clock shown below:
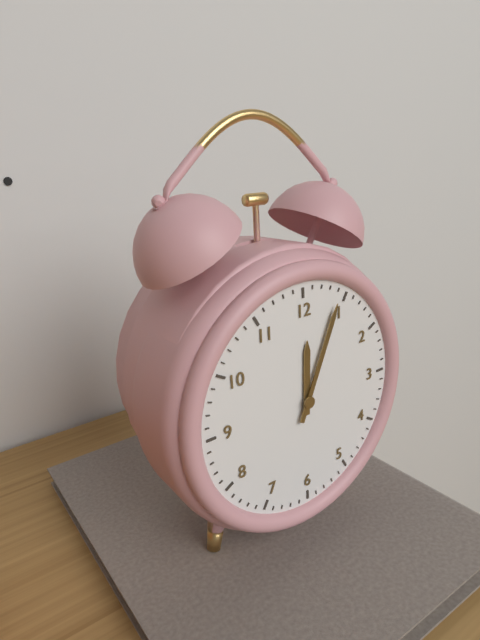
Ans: 12:04
